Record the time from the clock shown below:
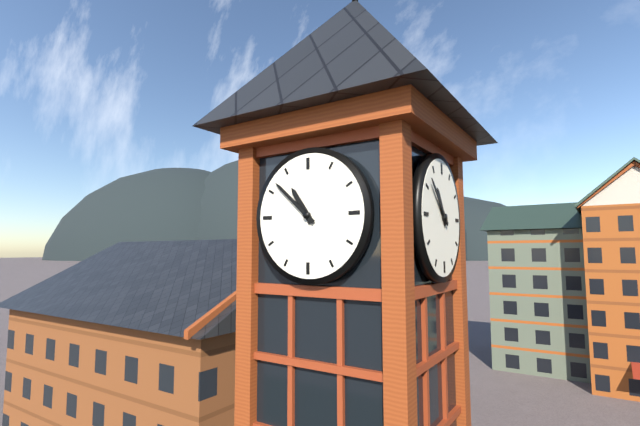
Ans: 10:52
